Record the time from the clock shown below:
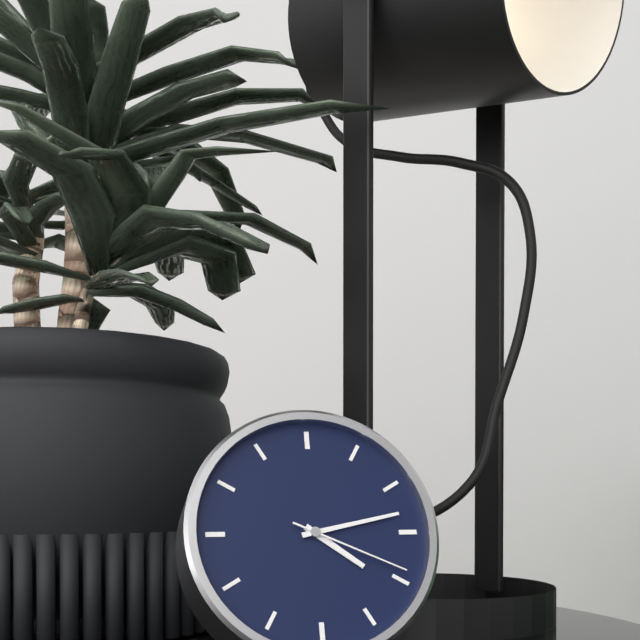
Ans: 4:13:19
